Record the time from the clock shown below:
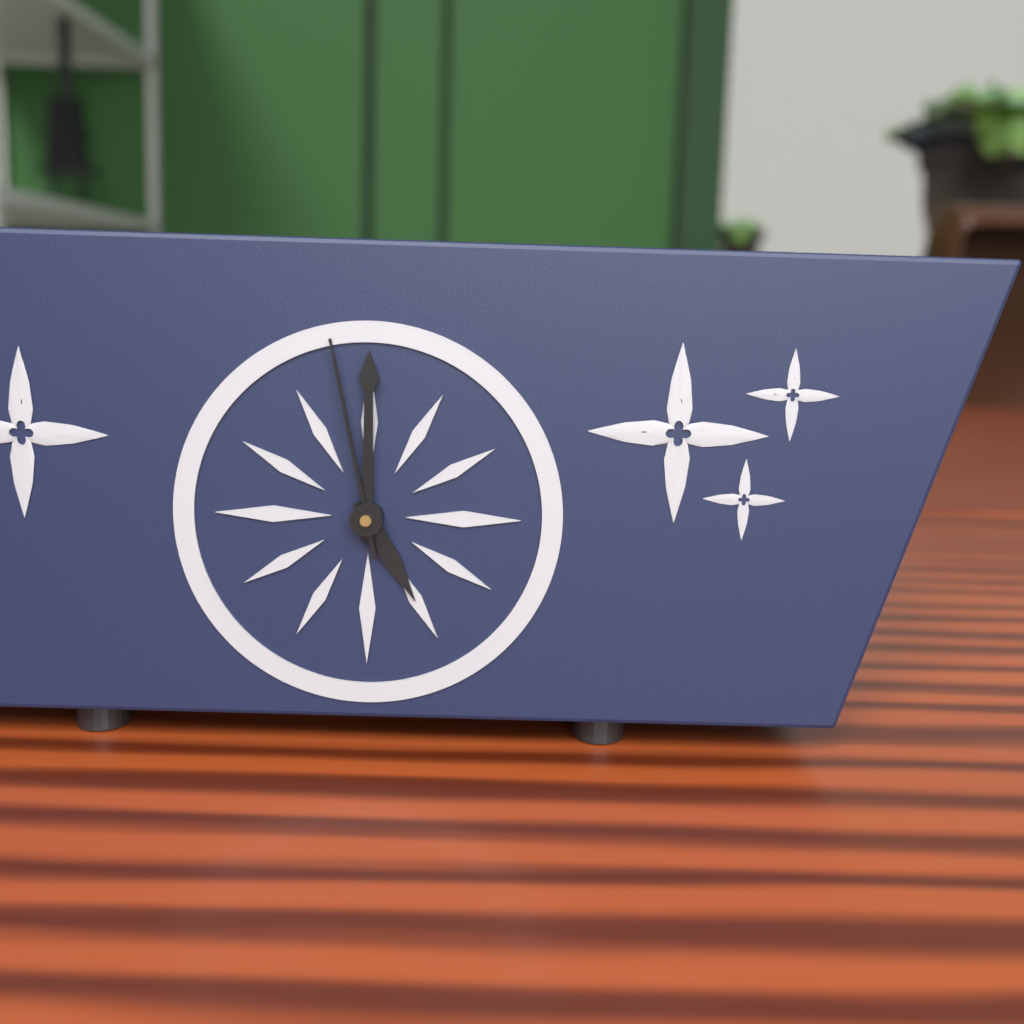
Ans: 5:00:58
